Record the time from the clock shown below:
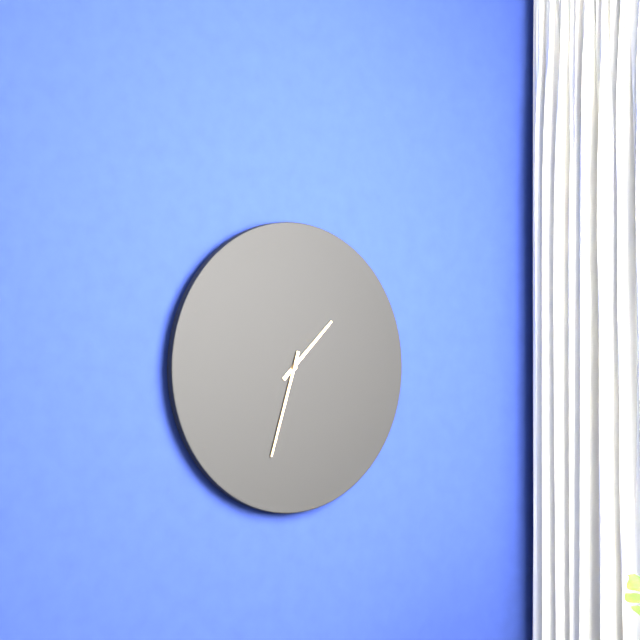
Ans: 1:33
